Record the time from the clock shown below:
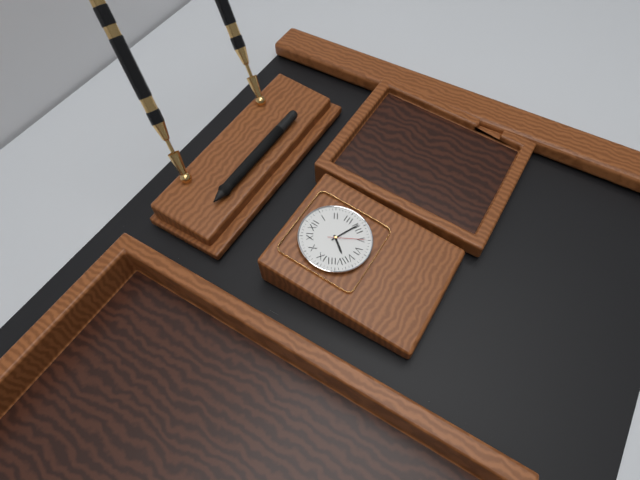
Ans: 7:19
